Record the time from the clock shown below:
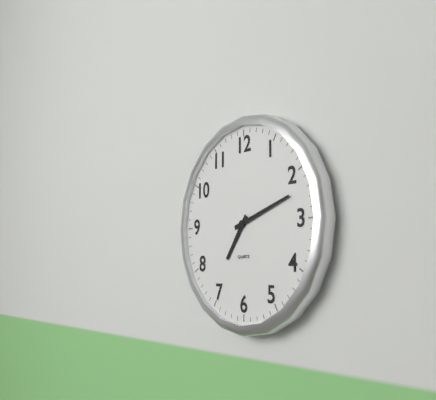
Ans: 7:12
